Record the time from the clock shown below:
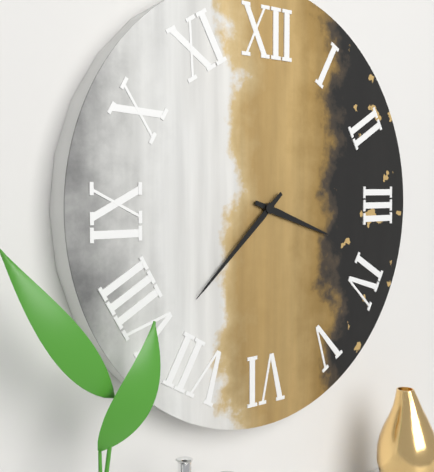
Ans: 3:38
